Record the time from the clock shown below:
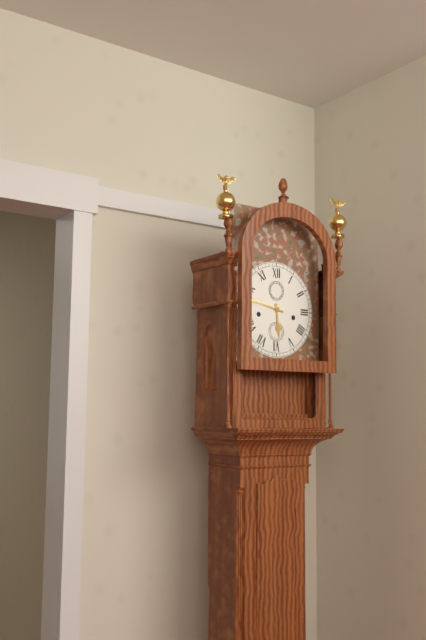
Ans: 5:47
